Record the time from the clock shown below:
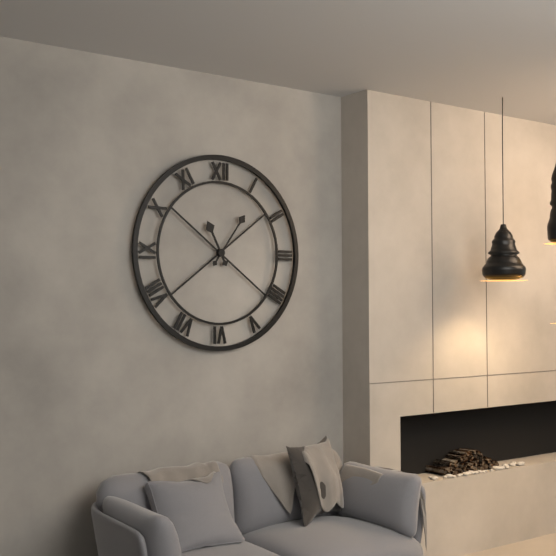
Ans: 11:06
